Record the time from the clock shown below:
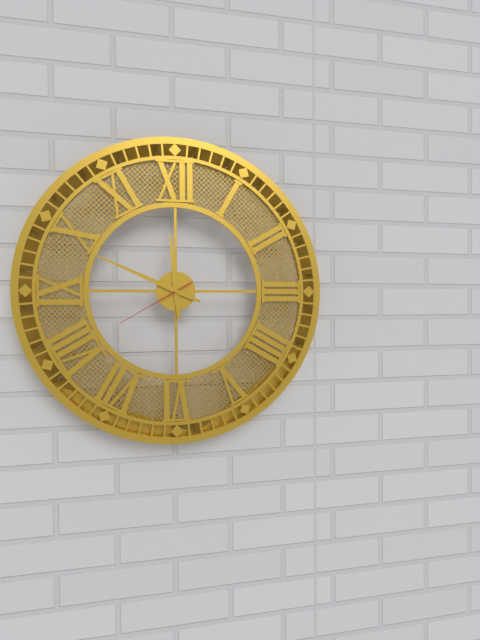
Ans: 11:49:40
